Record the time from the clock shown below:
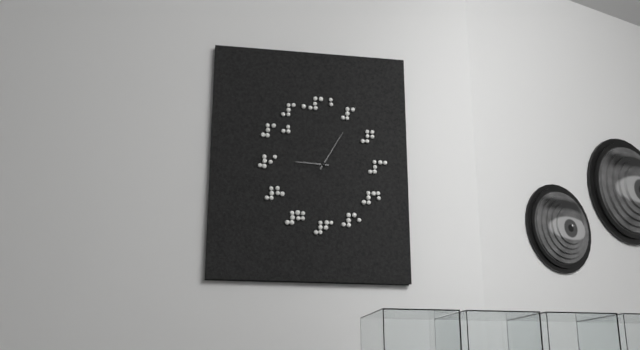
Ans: 9:05
